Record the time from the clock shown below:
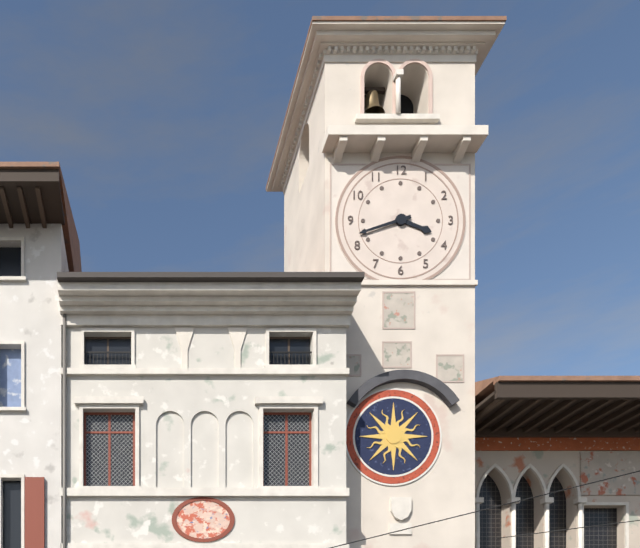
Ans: 3:42
